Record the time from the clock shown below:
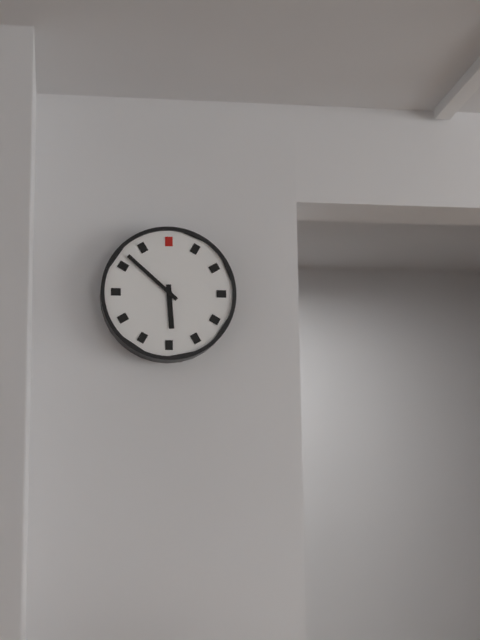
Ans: 5:52
